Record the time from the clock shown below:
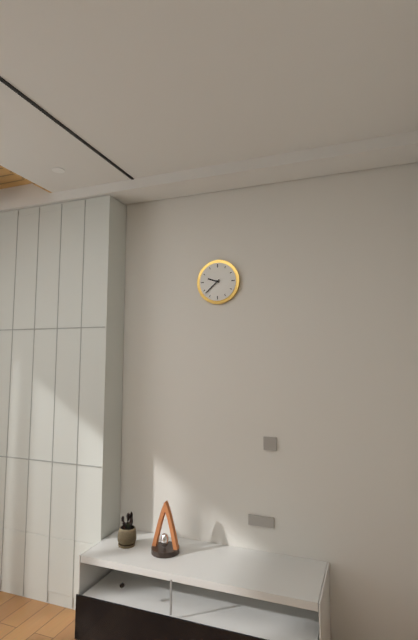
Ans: 9:38
